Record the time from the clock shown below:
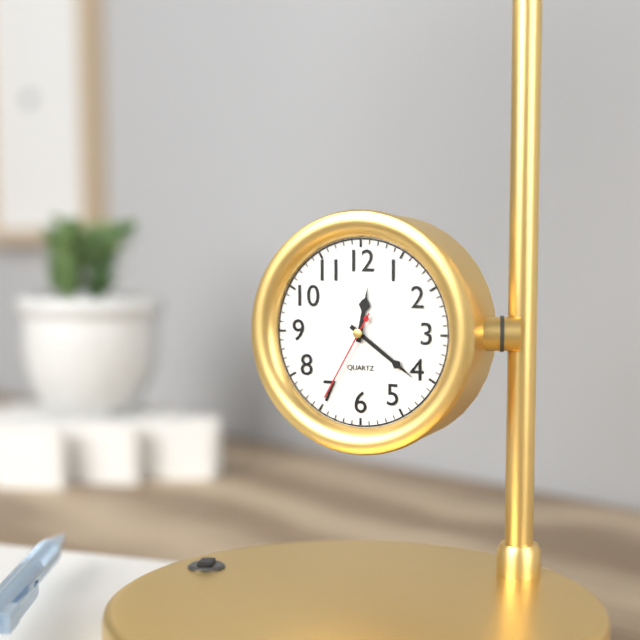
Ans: 12:21:35
